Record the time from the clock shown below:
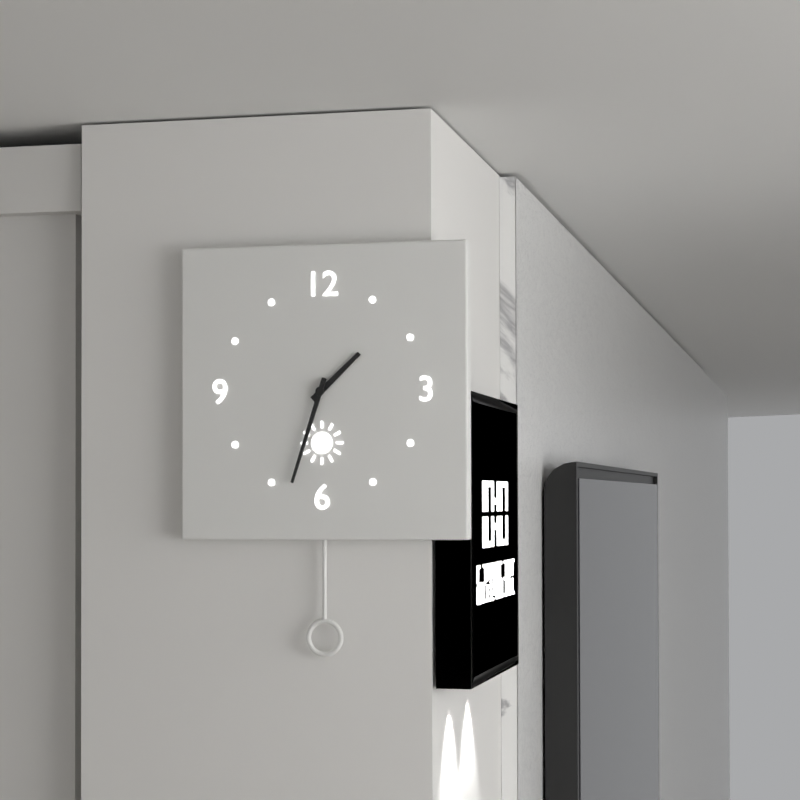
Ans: 1:33
